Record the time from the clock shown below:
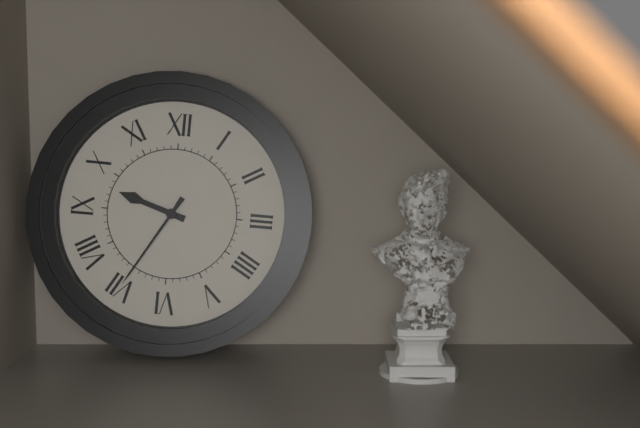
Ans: 9:35
